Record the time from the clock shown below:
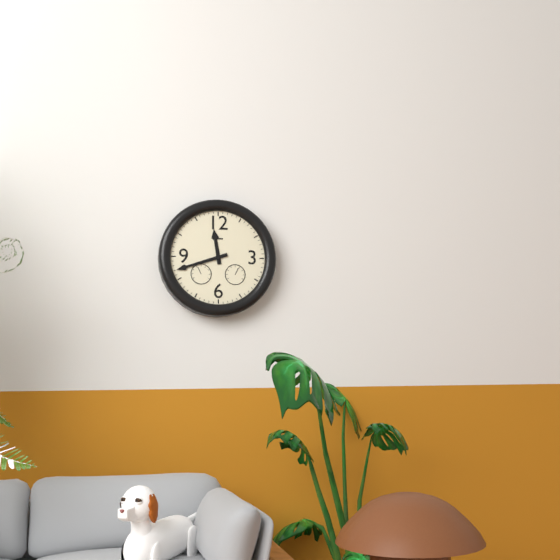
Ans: 11:42
